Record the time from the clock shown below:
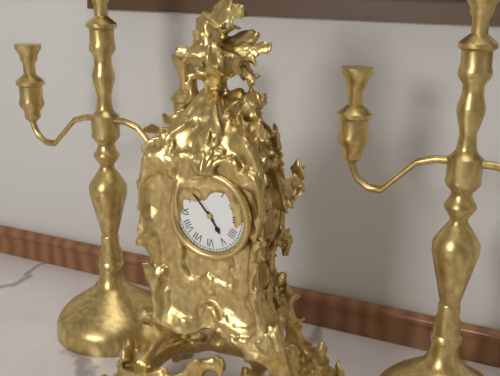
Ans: 4:53
